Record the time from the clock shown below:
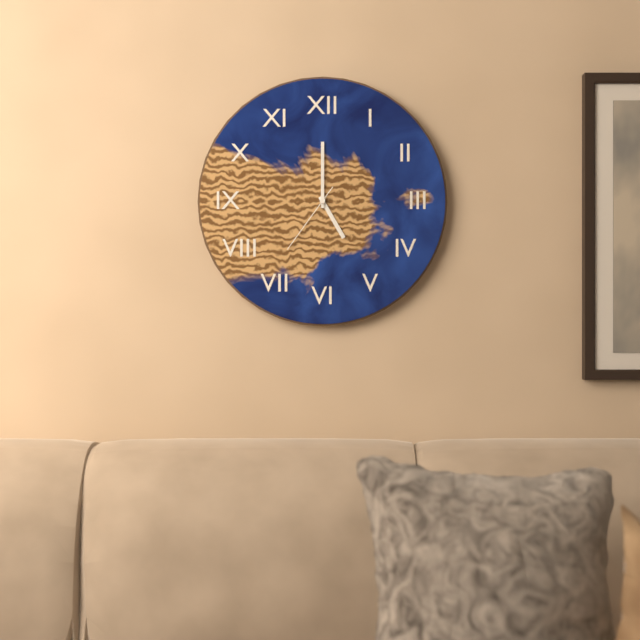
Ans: 5:00:36
